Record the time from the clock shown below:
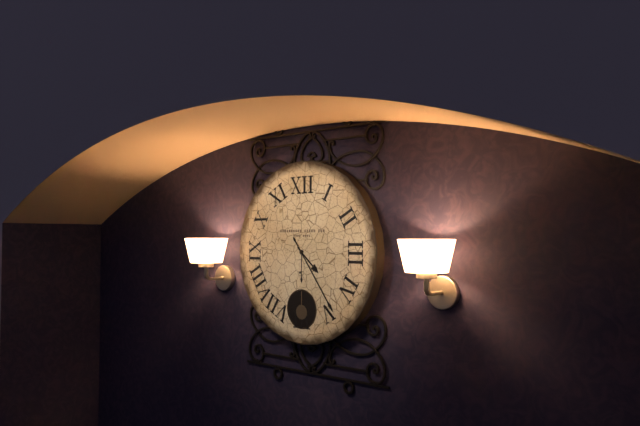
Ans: 4:24
